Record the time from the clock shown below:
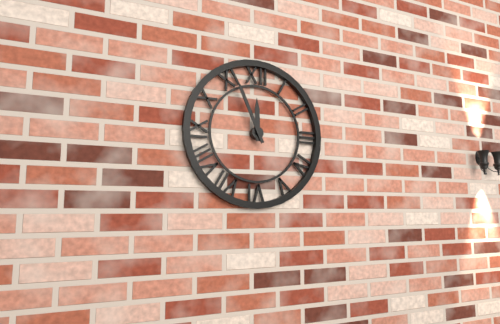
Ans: 11:56
